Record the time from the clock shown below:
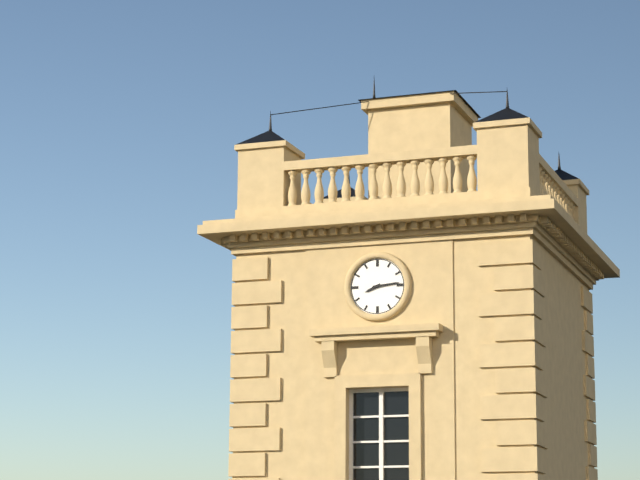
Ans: 8:14
